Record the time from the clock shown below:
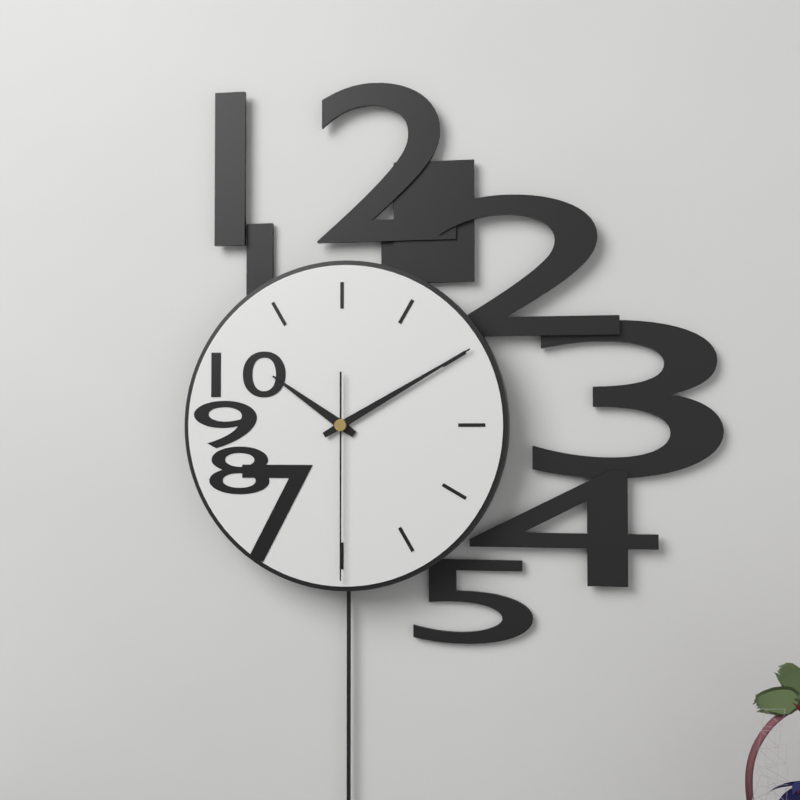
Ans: 10:10:30
